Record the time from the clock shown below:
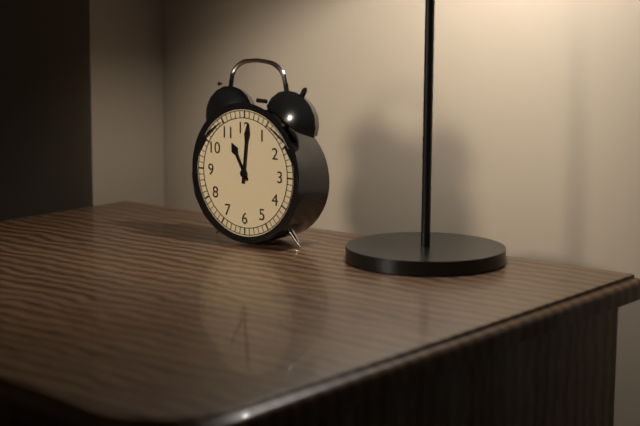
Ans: 11:01
